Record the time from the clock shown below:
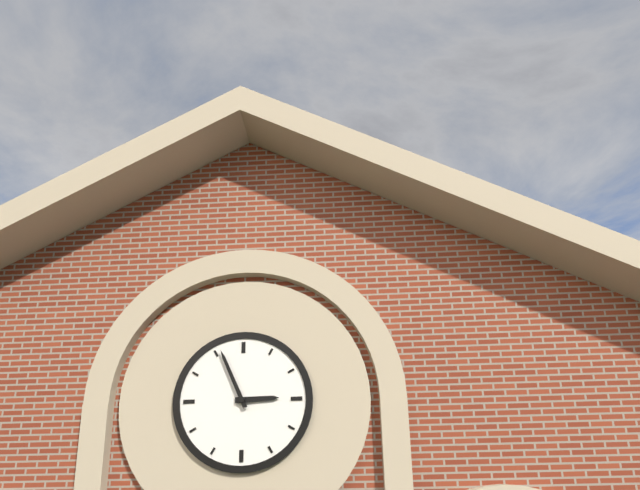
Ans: 2:56
